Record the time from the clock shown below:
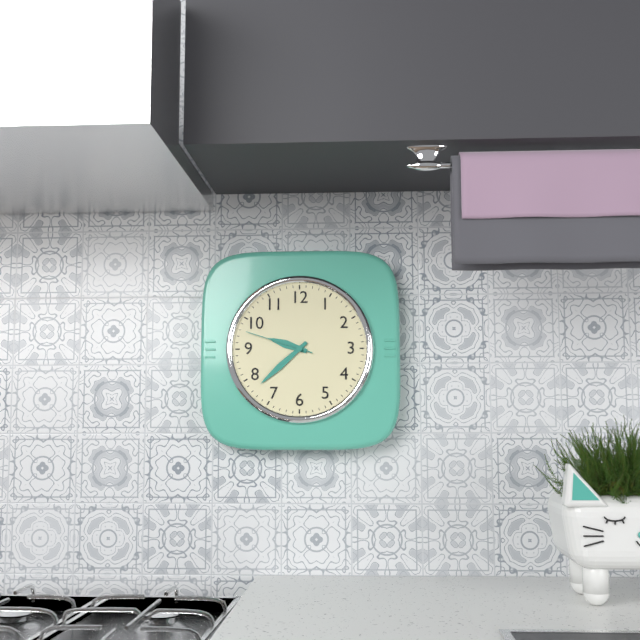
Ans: 9:38:48
